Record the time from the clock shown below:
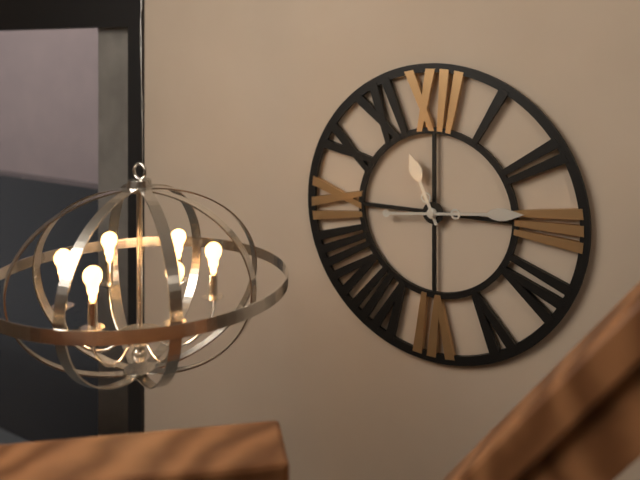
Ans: 11:14
